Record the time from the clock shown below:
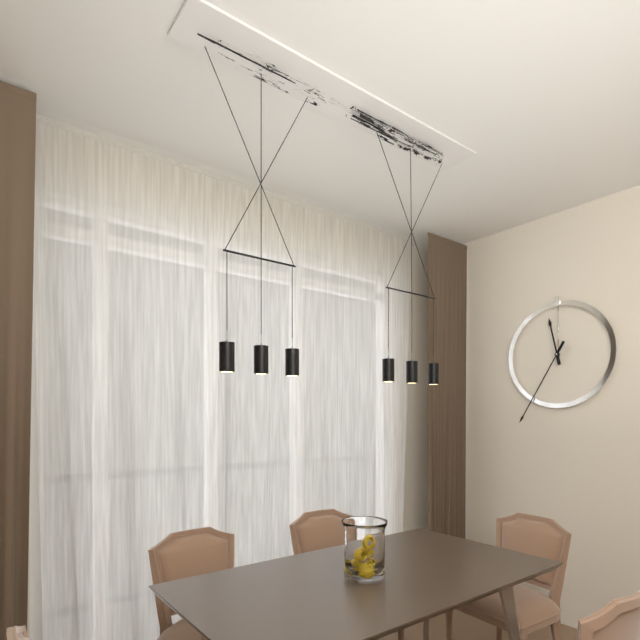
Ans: 11:35
